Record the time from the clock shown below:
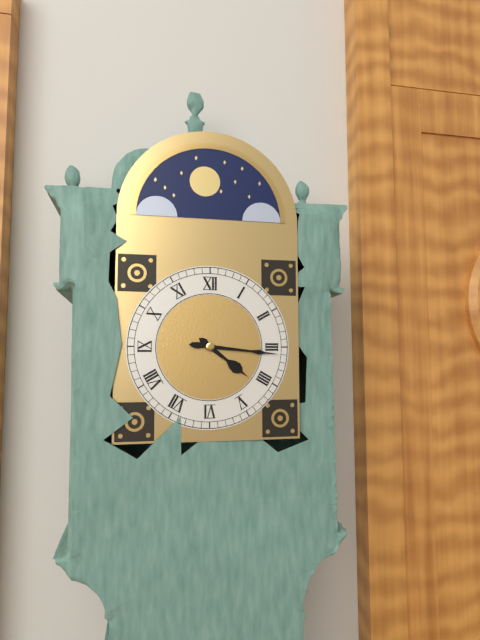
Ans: 4:16
